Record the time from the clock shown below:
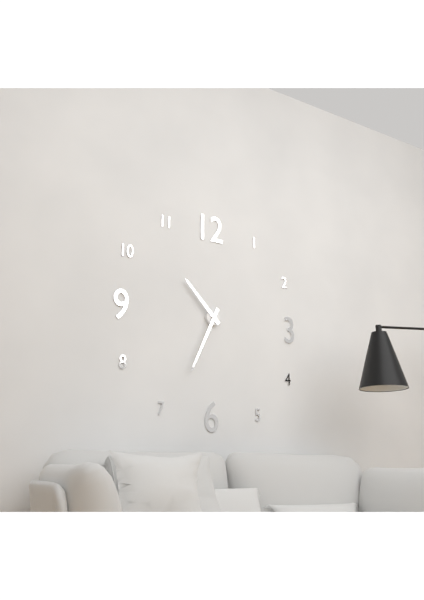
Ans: 10:34
